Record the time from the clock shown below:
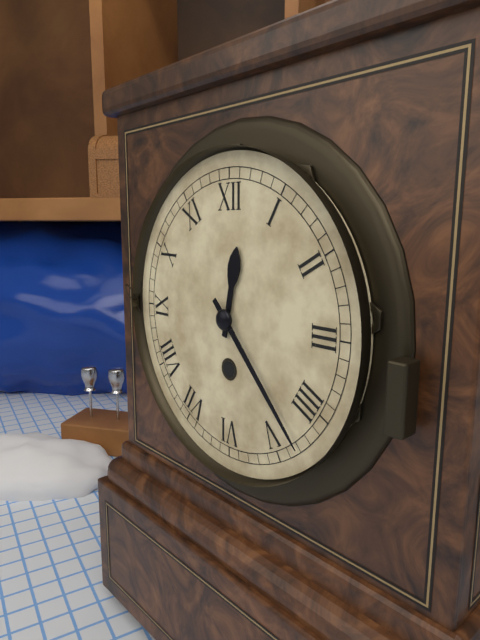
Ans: 12:23
